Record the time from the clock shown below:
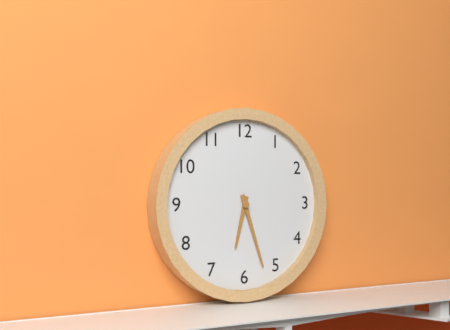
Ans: 6:27
